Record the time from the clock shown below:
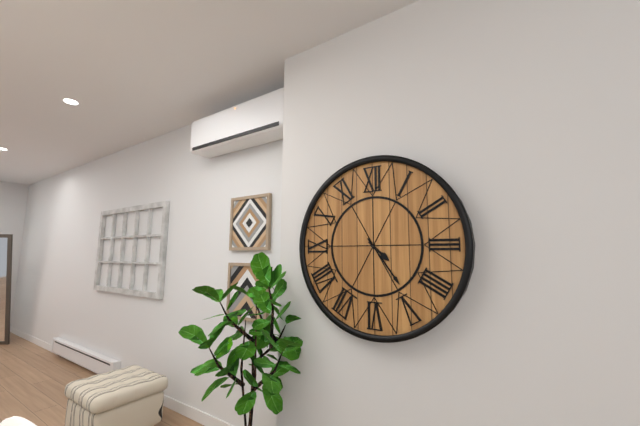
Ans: 4:24
